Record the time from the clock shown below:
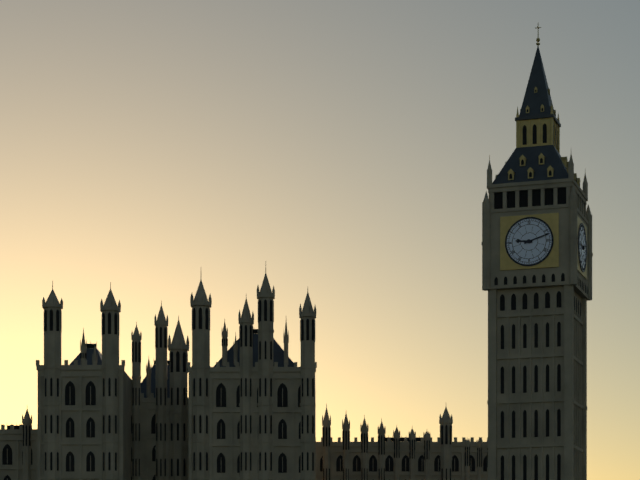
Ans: 9:12
